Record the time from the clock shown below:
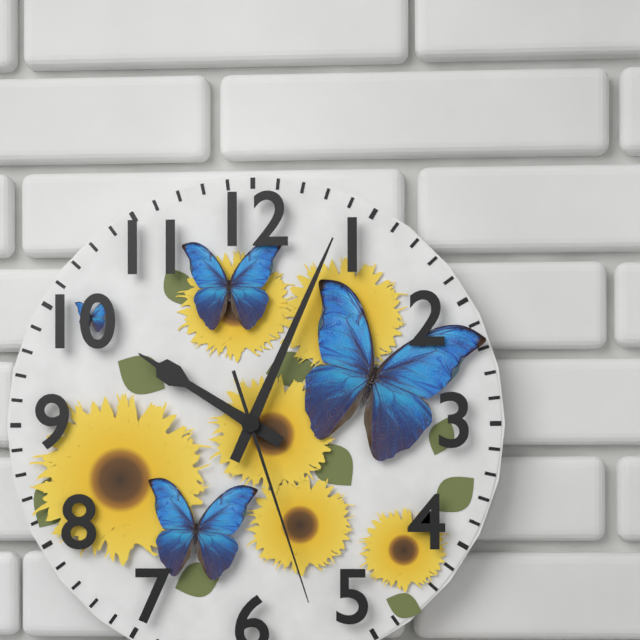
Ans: 10:04:27
